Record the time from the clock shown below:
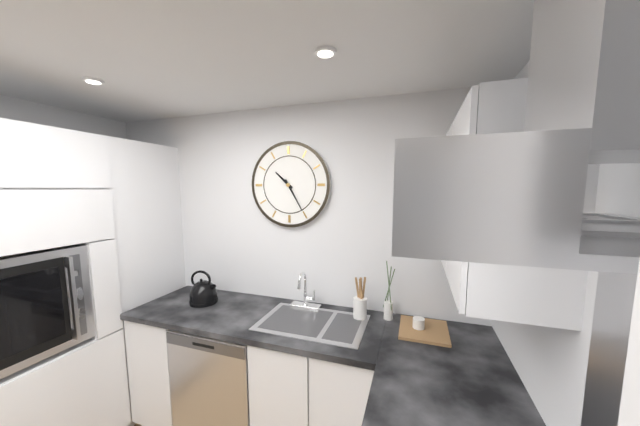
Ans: 10:25
